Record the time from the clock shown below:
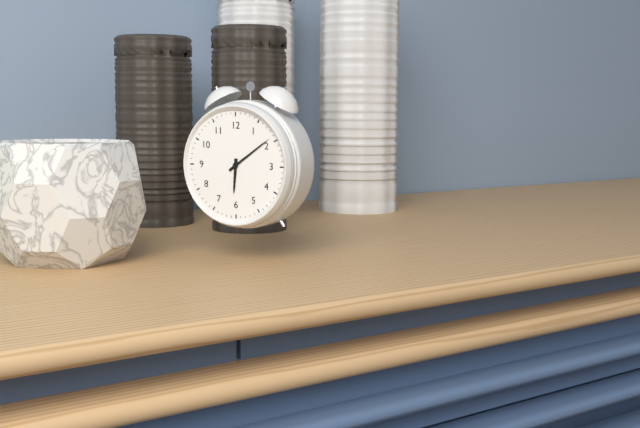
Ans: 6:09
